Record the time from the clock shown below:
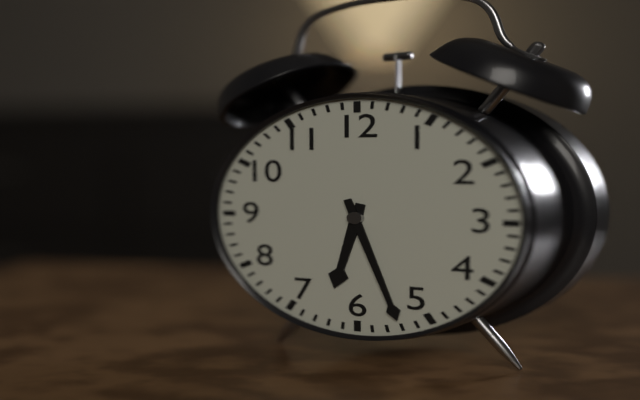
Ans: 6:27
